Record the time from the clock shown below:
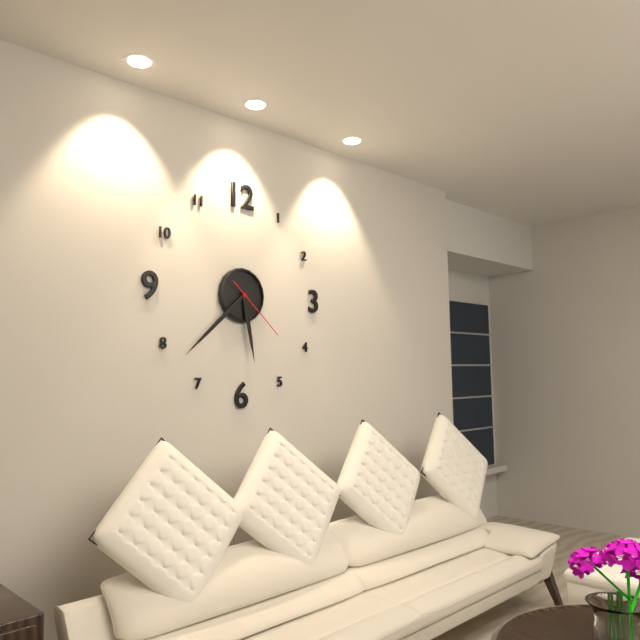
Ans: 5:38:22
